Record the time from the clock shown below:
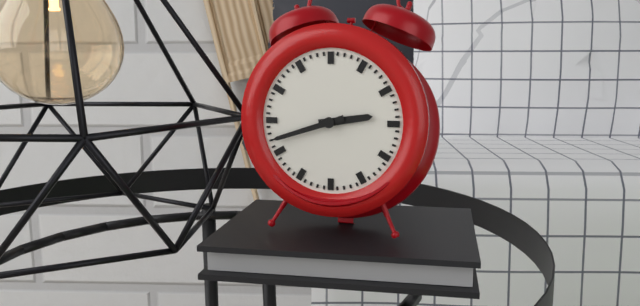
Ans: 2:42
